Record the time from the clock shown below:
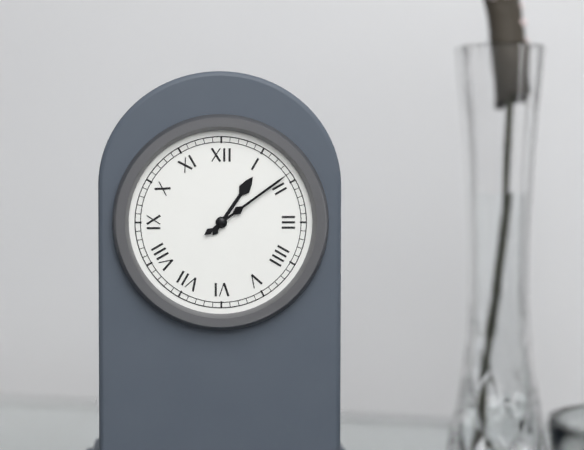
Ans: 1:09
